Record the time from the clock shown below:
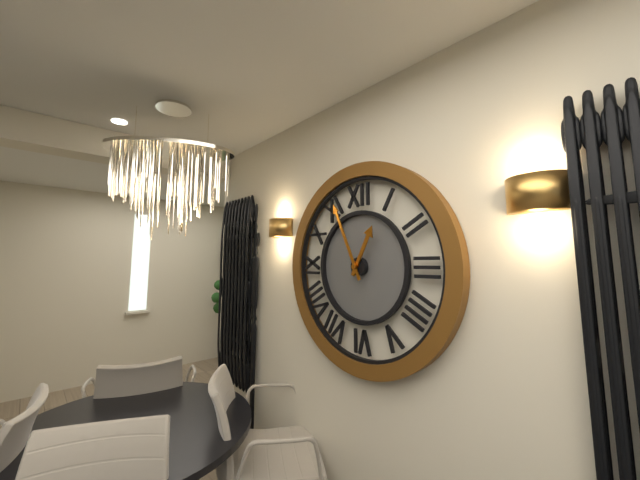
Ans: 12:56
